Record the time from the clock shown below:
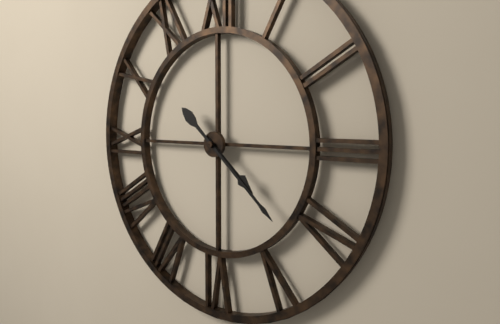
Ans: 4:22
